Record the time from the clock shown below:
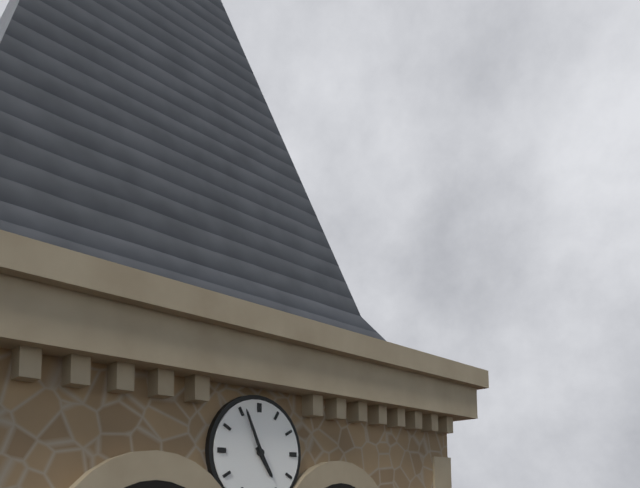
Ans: 4:56
